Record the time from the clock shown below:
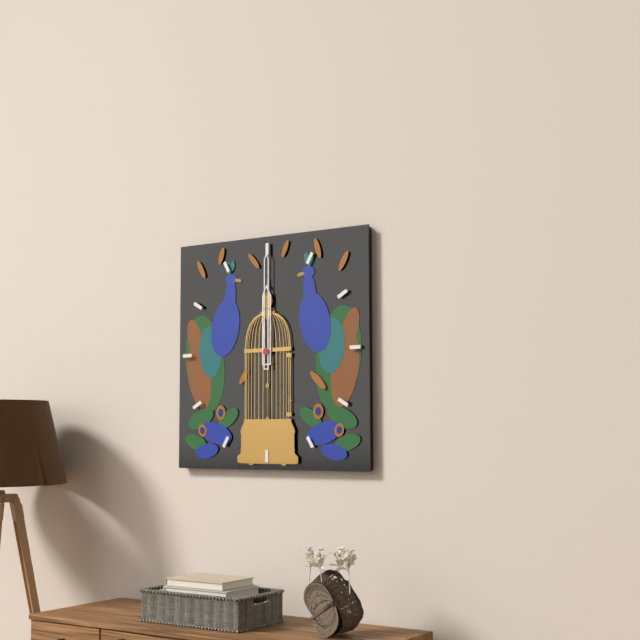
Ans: 12:00
